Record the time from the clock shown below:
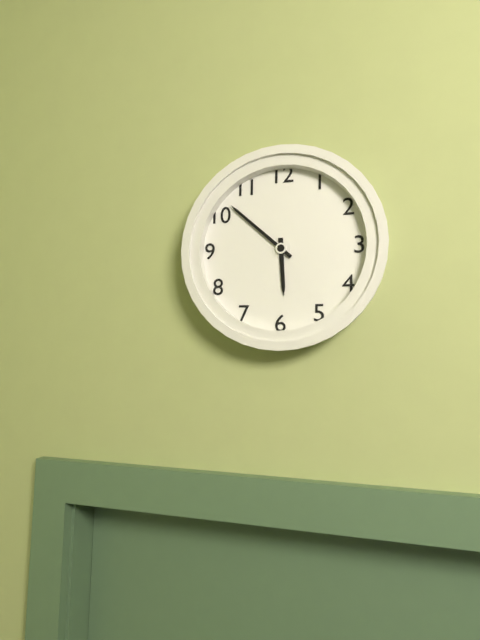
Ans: 5:52
